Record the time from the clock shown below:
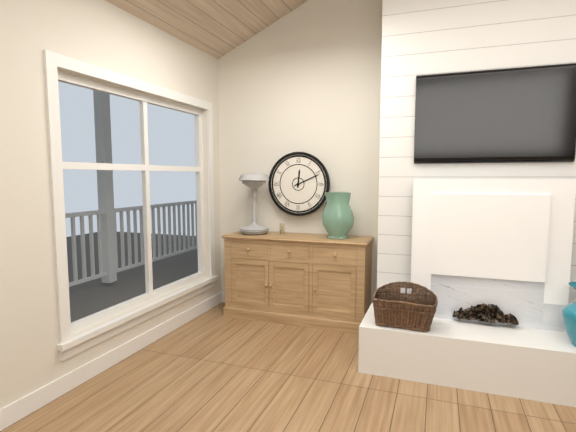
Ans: 12:11
